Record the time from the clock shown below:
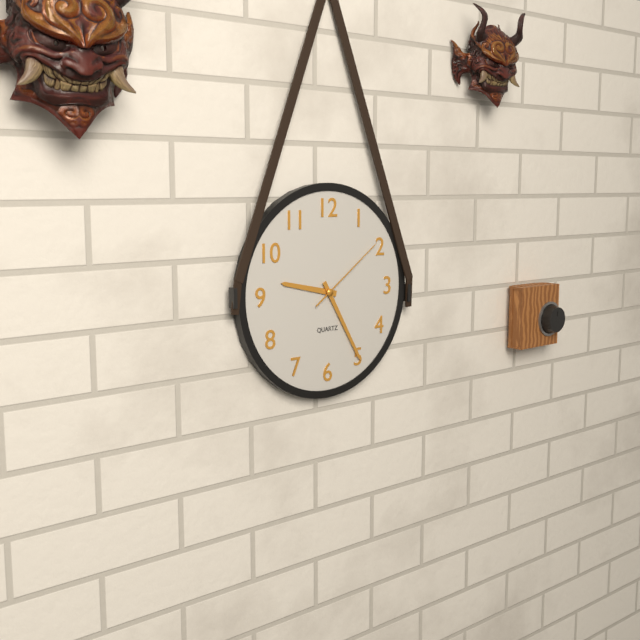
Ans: 9:25:09
